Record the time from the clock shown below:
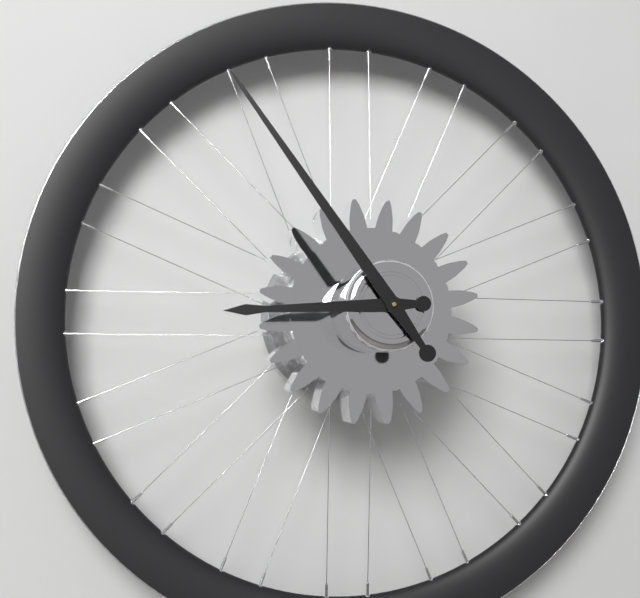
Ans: 8:54
